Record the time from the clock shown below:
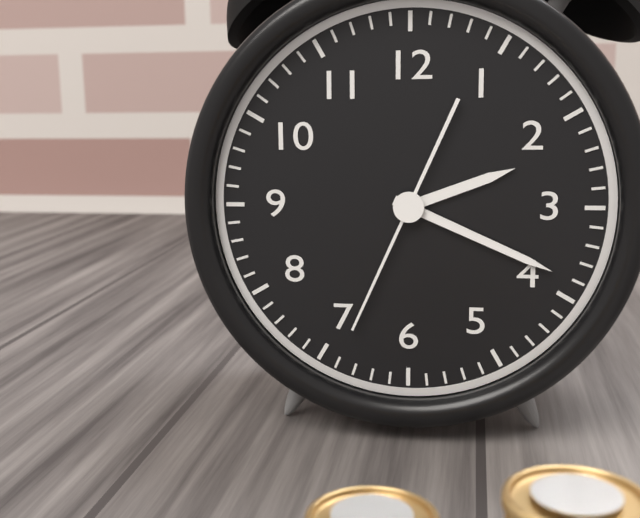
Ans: 2:19:34
